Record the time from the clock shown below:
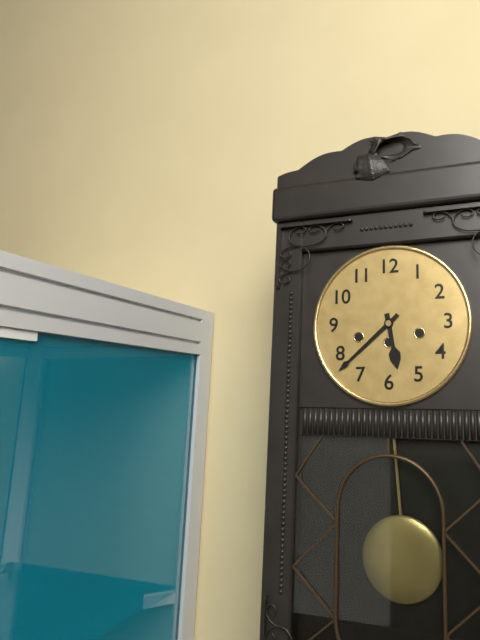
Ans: 5:38
